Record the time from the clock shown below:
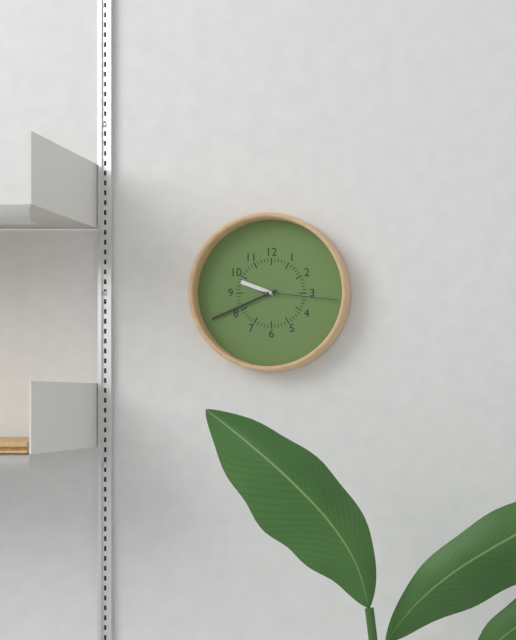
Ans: 9:41:16
